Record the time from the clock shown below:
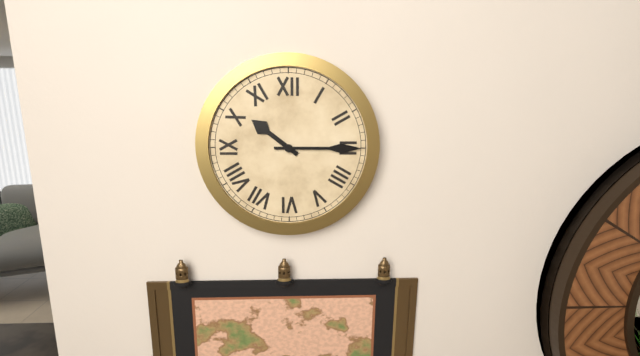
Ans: 10:15
